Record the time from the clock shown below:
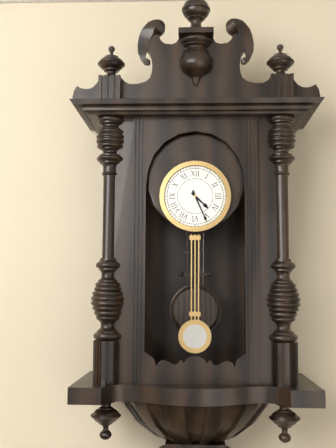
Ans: 4:26
